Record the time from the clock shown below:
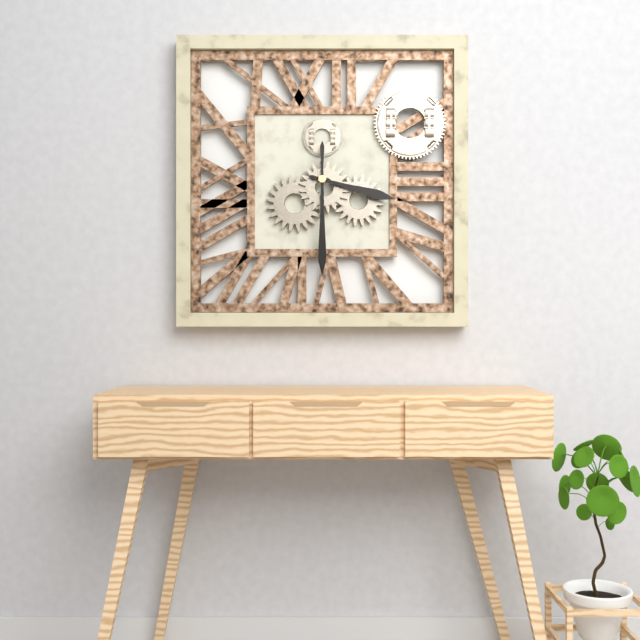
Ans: 3:30
